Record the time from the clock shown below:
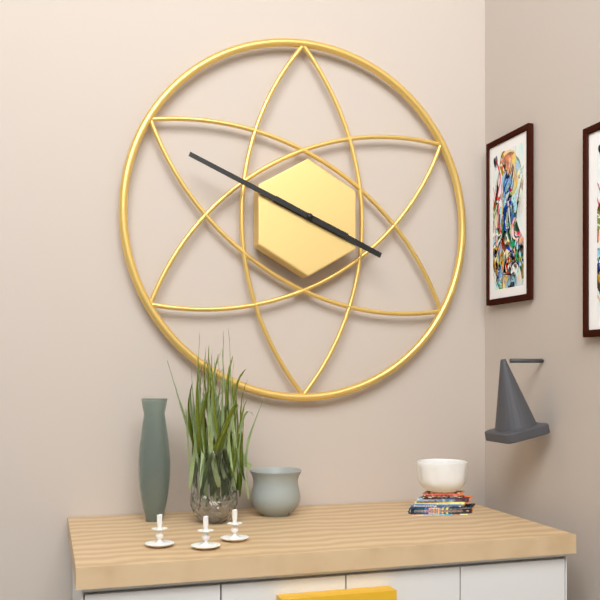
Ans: 3:49
